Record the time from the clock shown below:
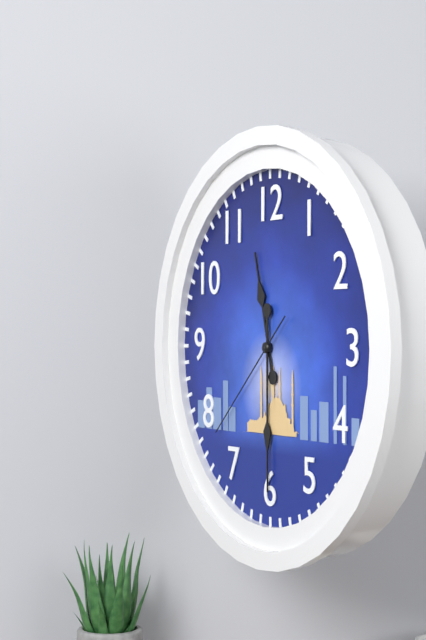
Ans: 11:30:38
